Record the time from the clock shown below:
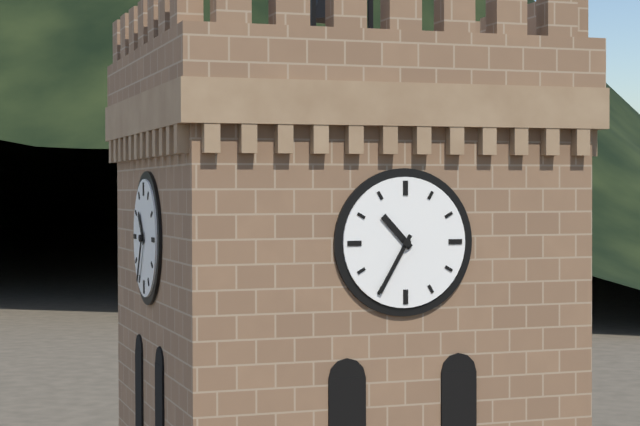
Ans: 10:35
